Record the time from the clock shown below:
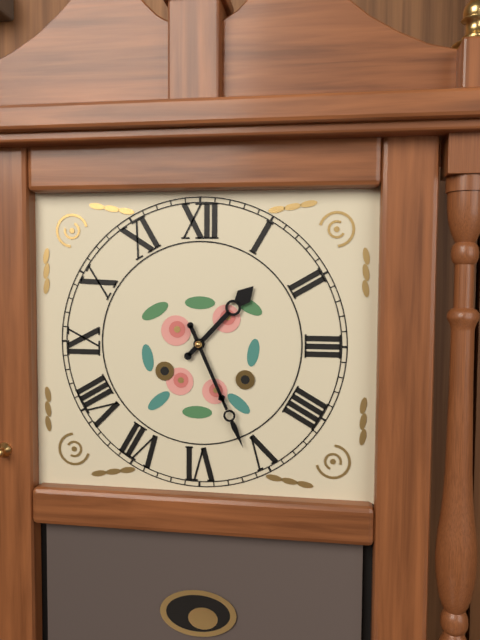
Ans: 1:26
